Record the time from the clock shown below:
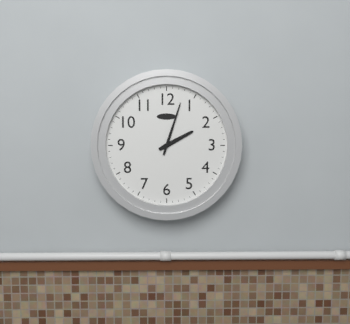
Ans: 2:03
